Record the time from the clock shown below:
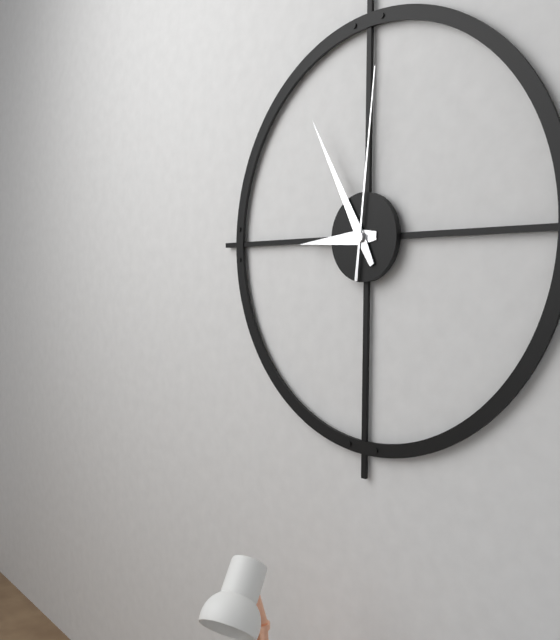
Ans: 8:55:01
